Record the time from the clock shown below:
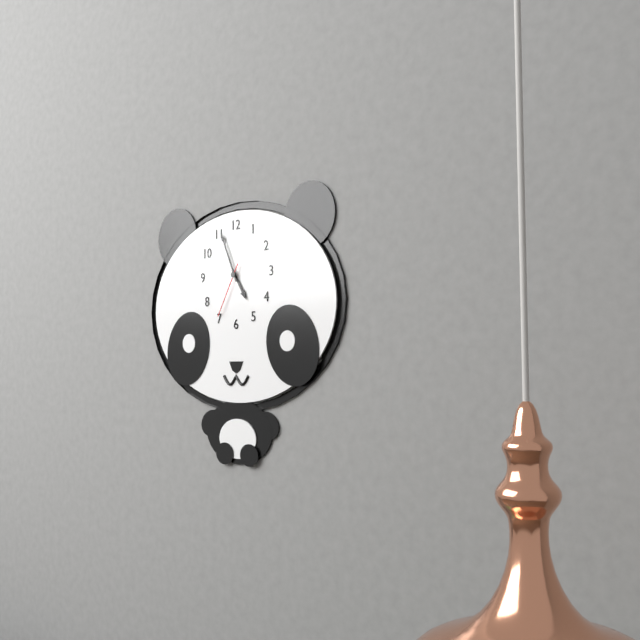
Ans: 4:56:35
